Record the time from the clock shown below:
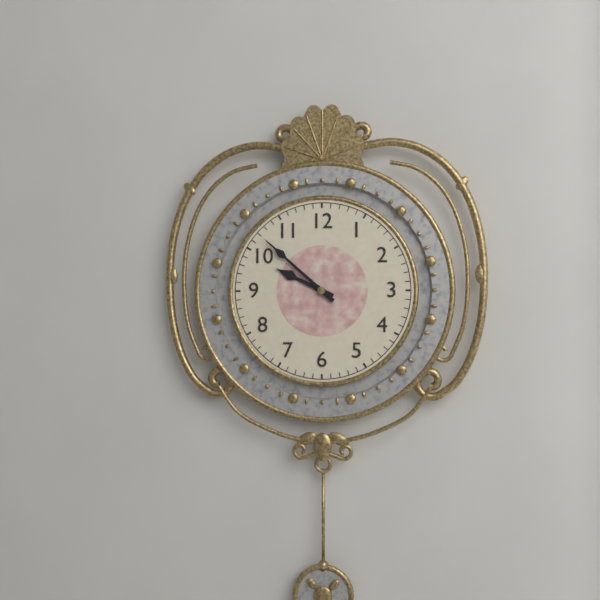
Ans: 9:52
